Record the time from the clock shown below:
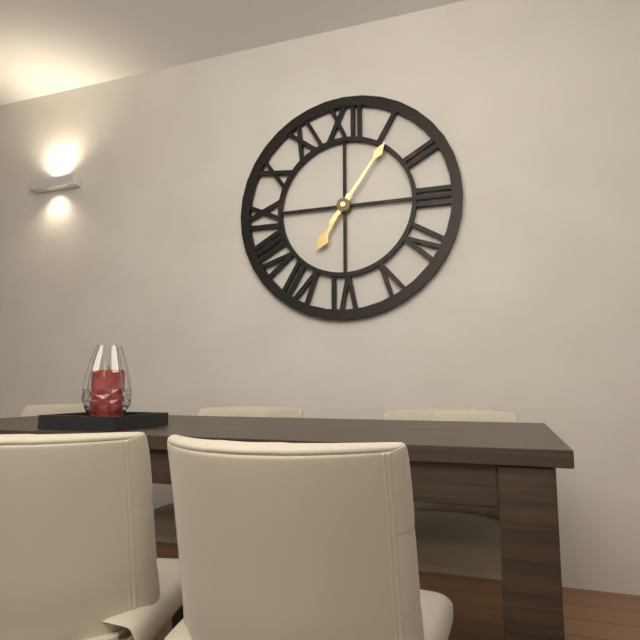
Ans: 7:06
